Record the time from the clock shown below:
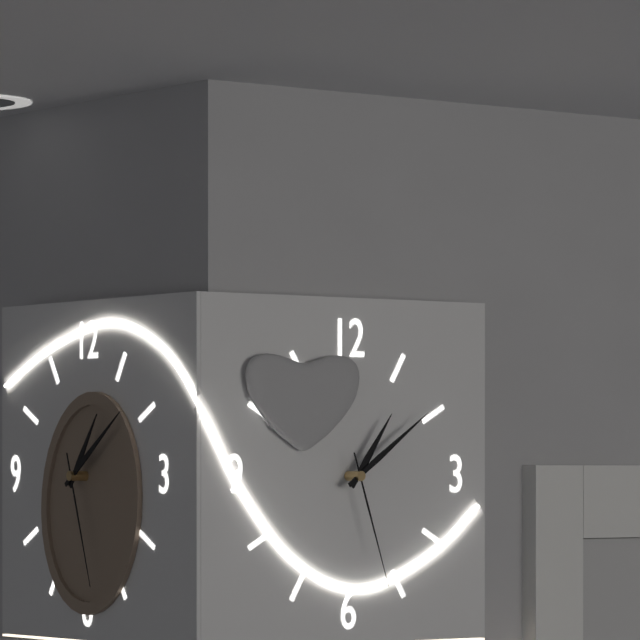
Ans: 1:09:27
